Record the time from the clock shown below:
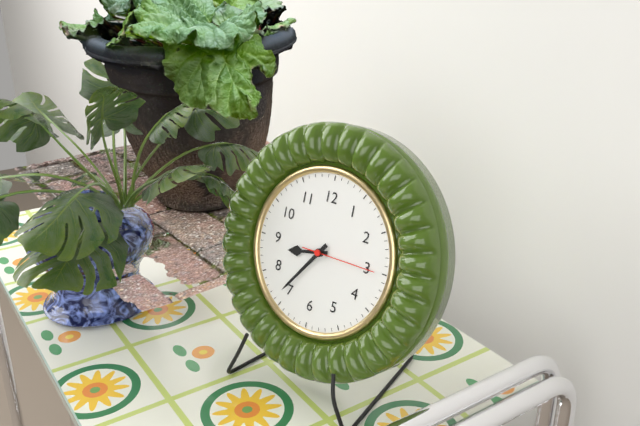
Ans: 8:36:15
